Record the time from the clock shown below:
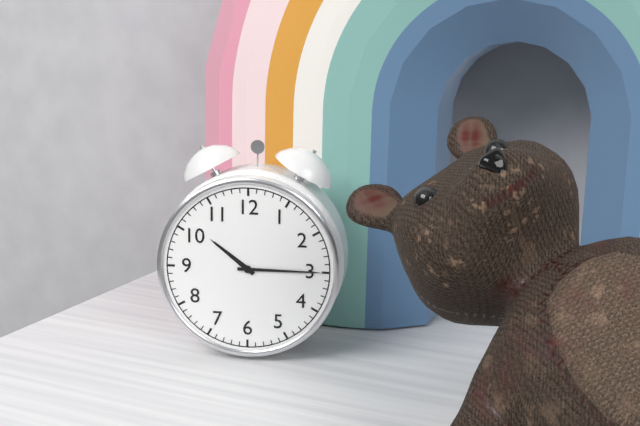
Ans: 10:15
